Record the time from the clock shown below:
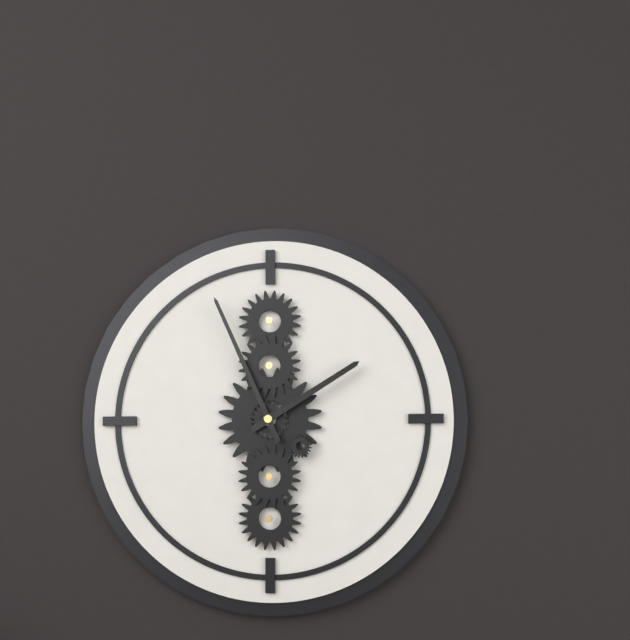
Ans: 1:56
